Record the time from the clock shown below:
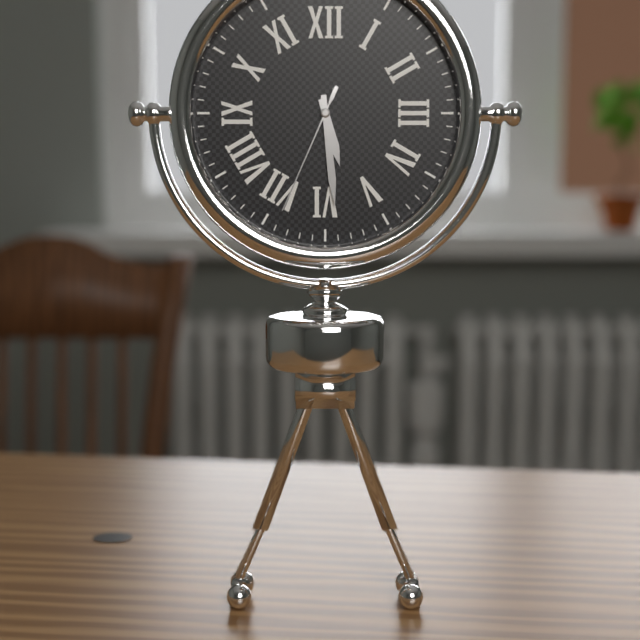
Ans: 5:29:34
